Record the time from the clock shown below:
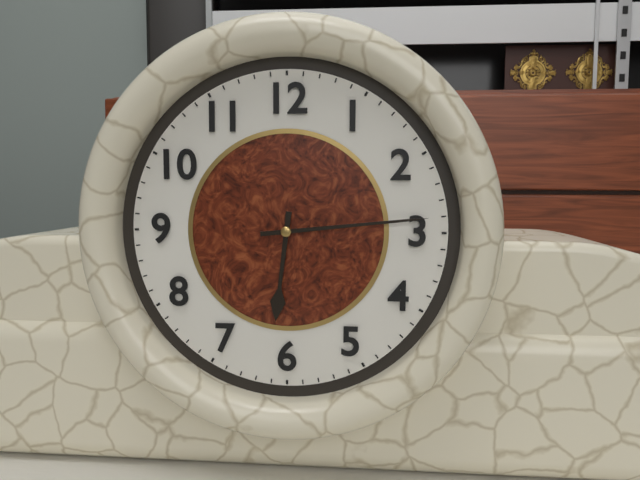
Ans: 6:14
